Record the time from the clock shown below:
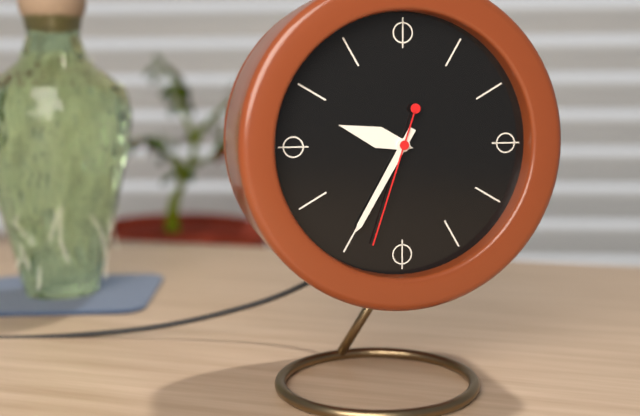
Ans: 9:35:33
